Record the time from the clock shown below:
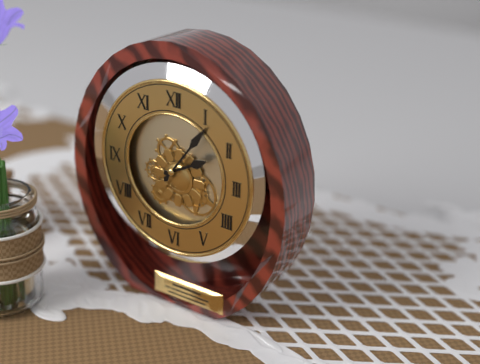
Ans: 2:06
